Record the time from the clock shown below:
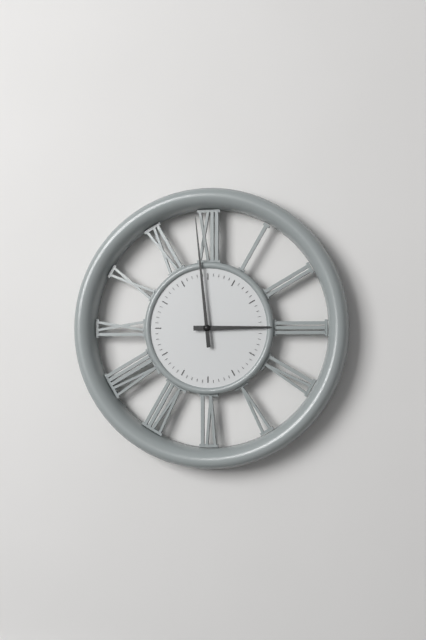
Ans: 2:59
